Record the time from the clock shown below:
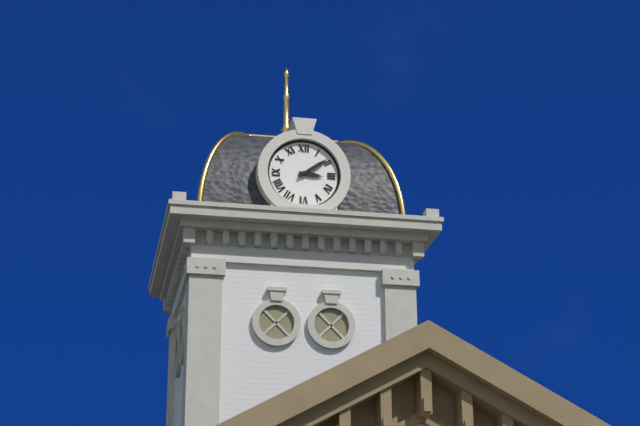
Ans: 3:09
